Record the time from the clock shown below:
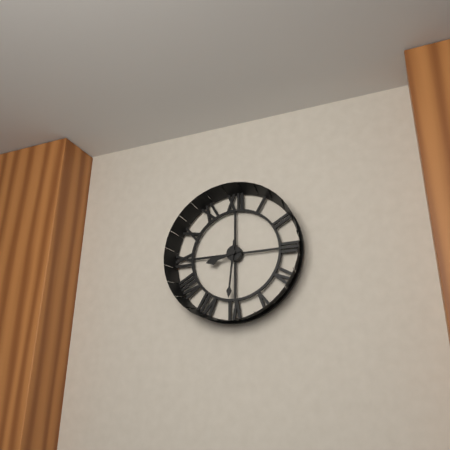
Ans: 8:31
